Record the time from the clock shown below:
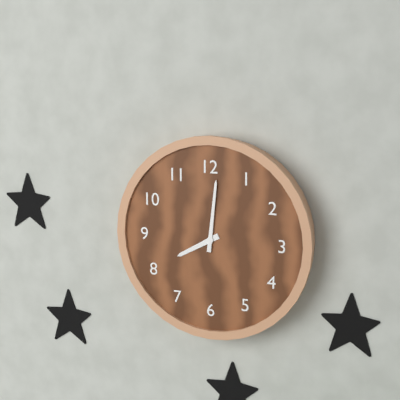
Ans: 8:01
